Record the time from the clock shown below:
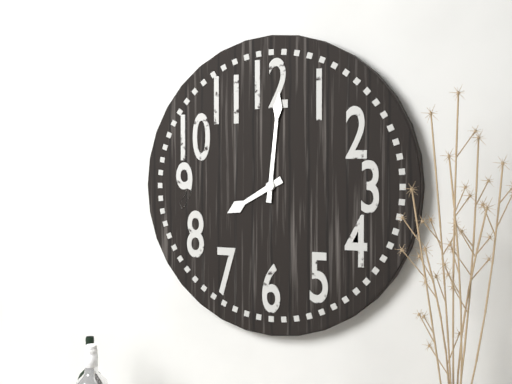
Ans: 8:01
